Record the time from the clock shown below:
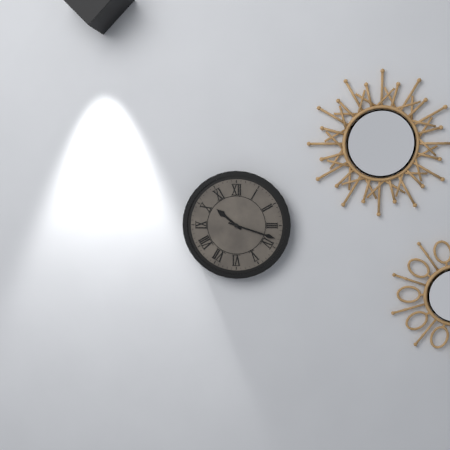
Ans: 10:18
